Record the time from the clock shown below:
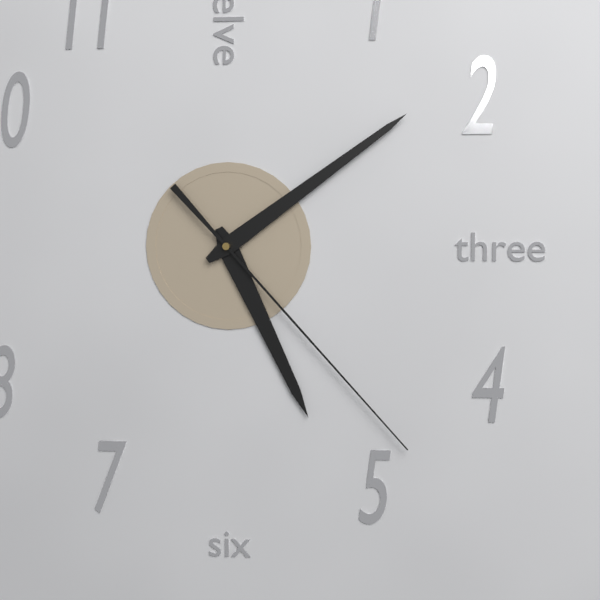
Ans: 5:09:23
